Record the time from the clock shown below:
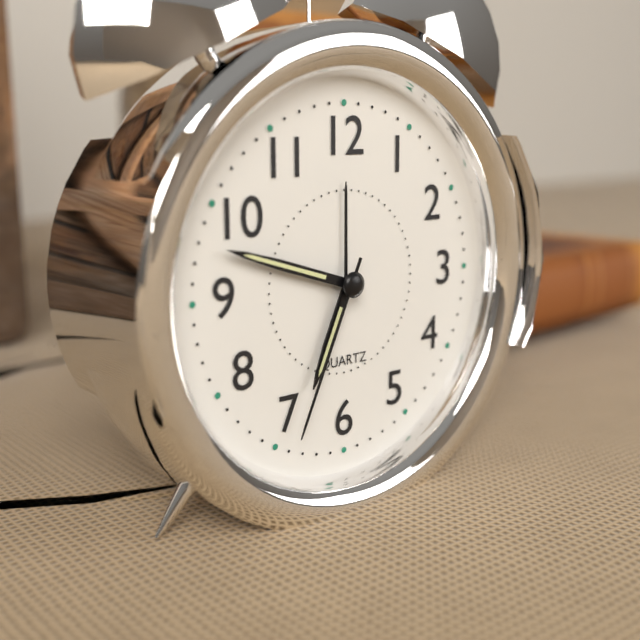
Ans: 6:48:34
